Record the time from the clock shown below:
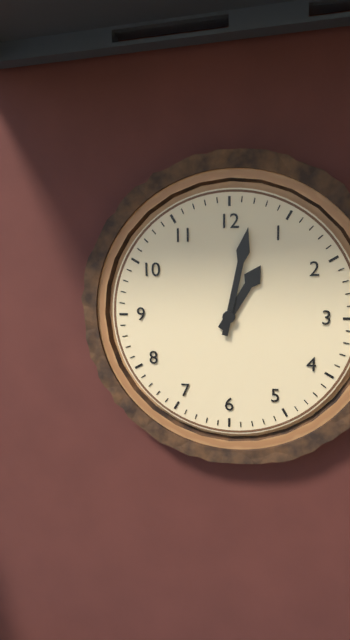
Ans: 1:02
